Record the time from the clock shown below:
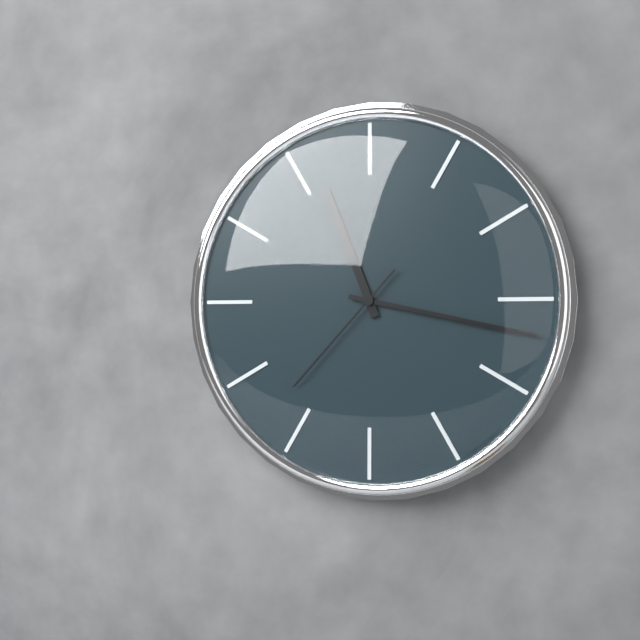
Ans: 11:17:37
